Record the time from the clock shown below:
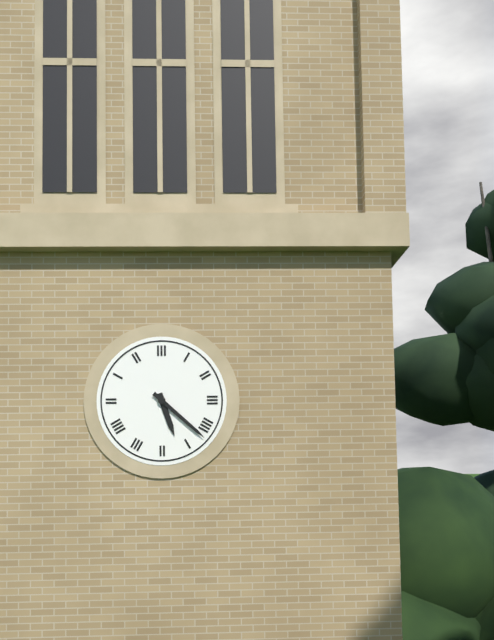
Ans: 5:22
